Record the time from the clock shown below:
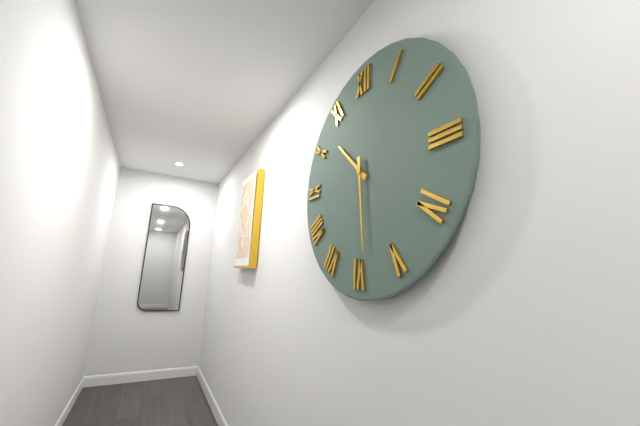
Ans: 10:29
